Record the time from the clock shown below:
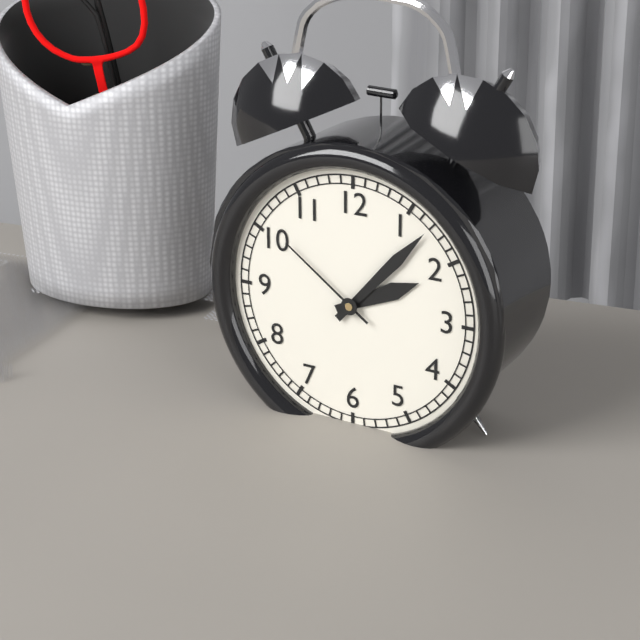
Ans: 2:07:51
